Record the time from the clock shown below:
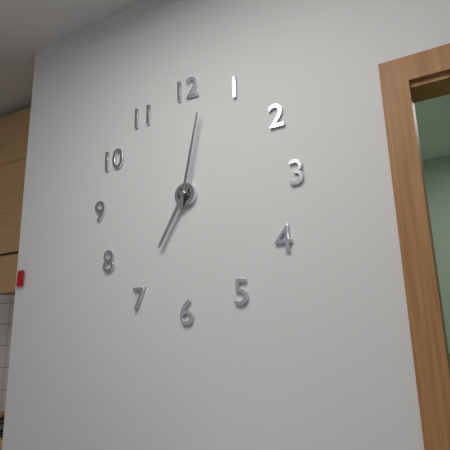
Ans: 7:02
